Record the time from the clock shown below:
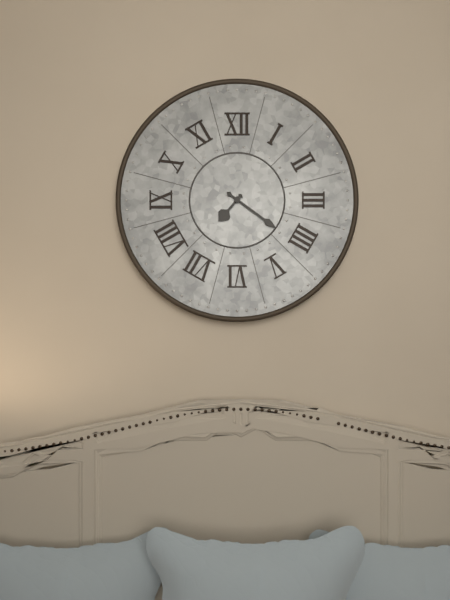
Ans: 7:21
